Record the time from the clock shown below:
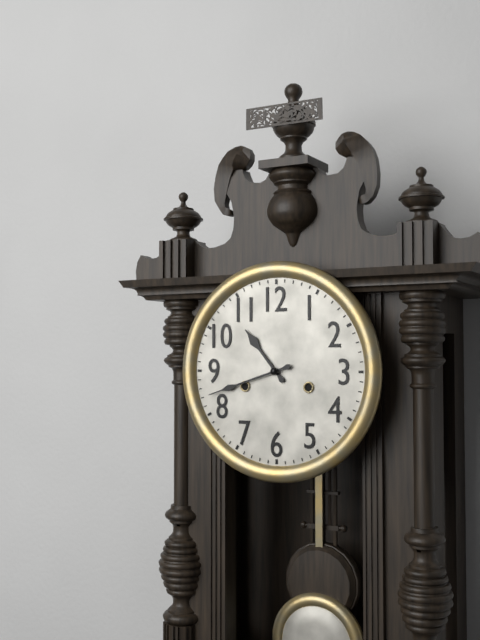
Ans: 10:42
